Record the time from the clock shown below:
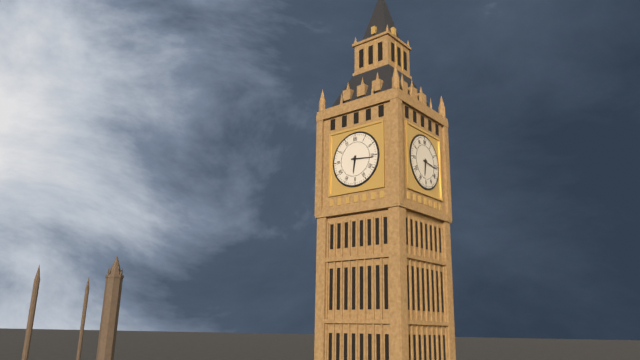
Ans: 6:16
